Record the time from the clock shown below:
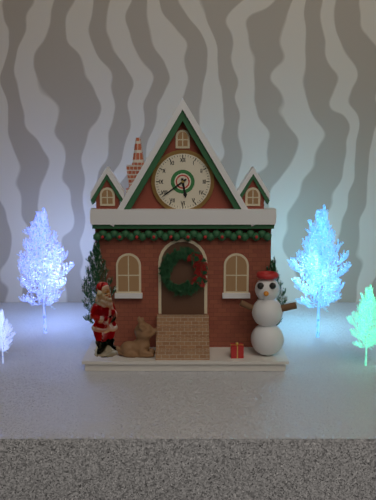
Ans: 5:39
